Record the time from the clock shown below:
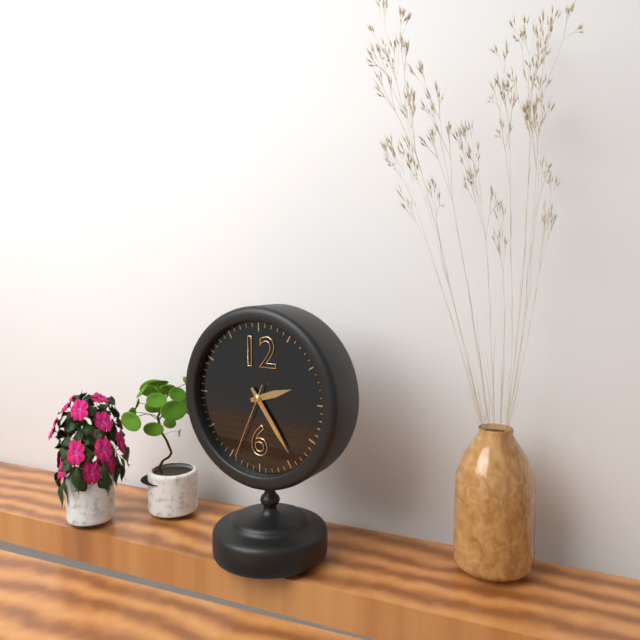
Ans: 2:24:34
